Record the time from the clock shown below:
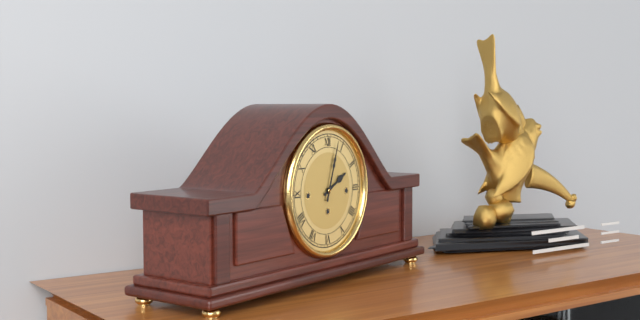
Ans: 2:03
